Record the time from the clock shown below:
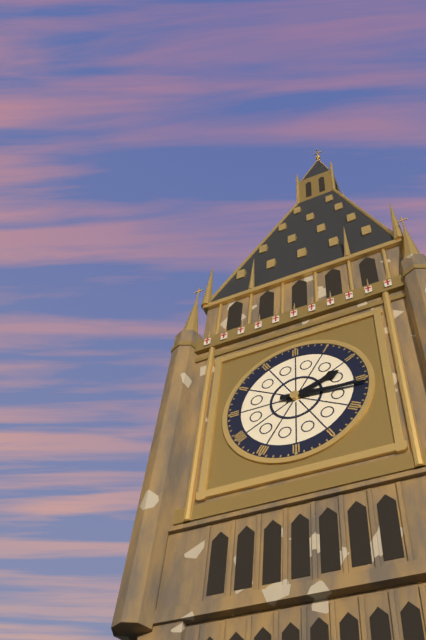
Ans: 2:16
